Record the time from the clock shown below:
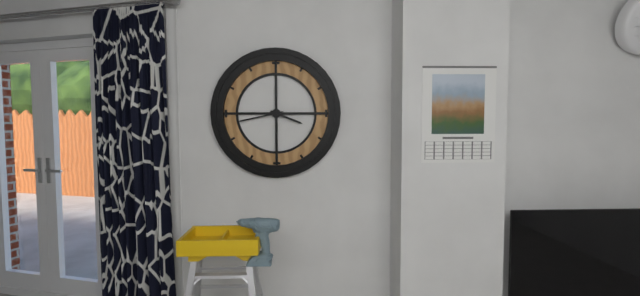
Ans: 3:43
